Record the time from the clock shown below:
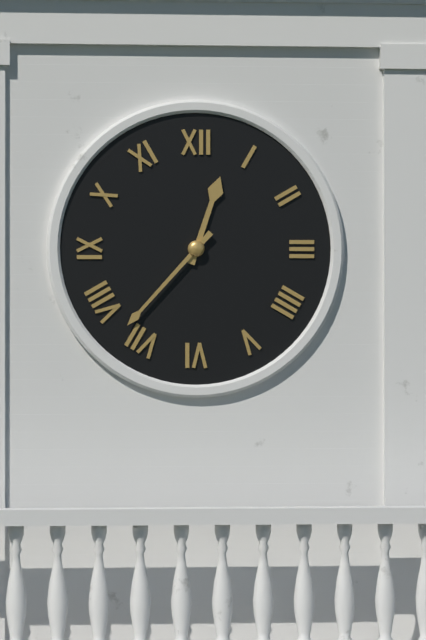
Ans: 12:37
